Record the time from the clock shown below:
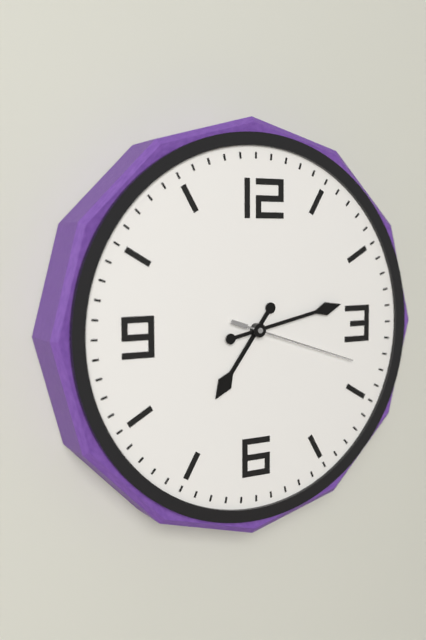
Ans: 7:13:18
